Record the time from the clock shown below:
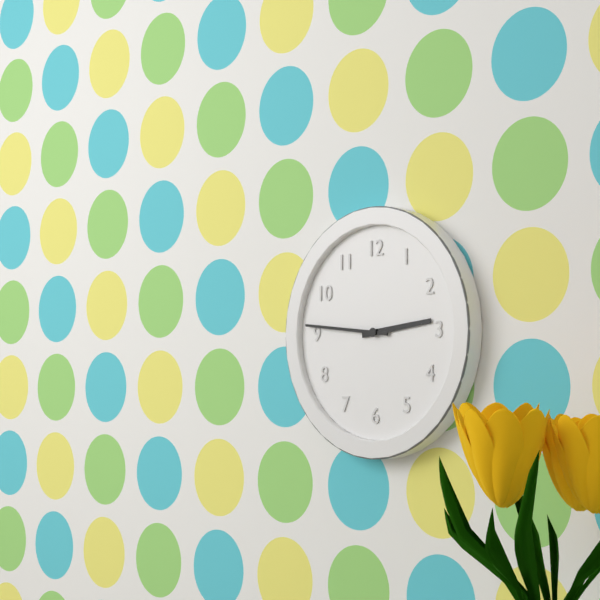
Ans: 2:46
